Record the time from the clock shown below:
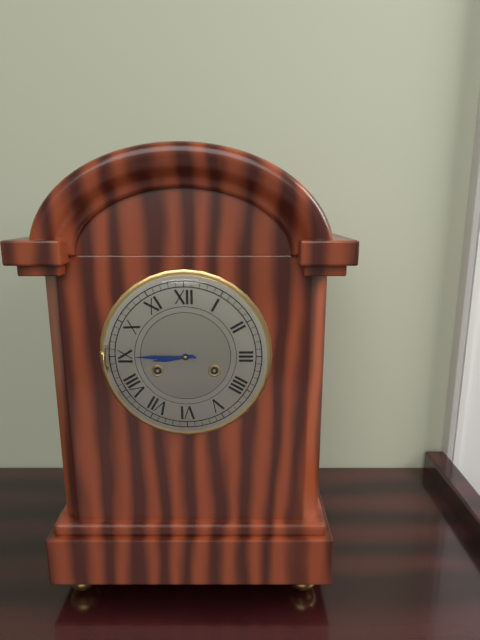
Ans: 8:45
